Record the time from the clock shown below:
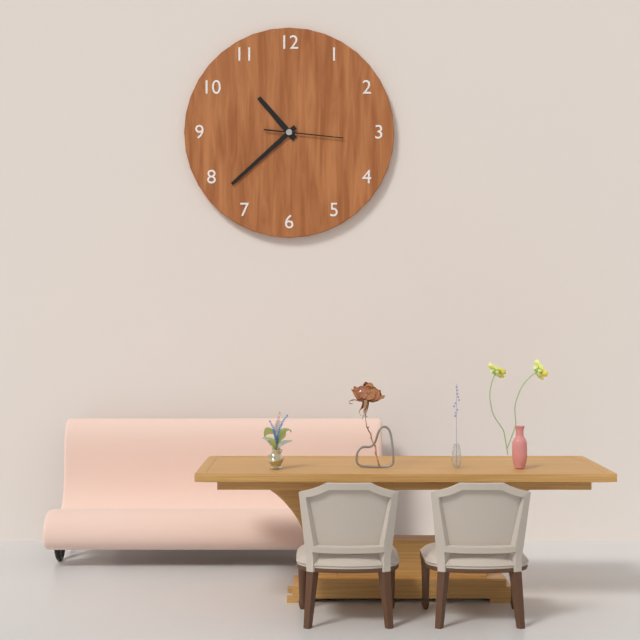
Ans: 10:38:16
